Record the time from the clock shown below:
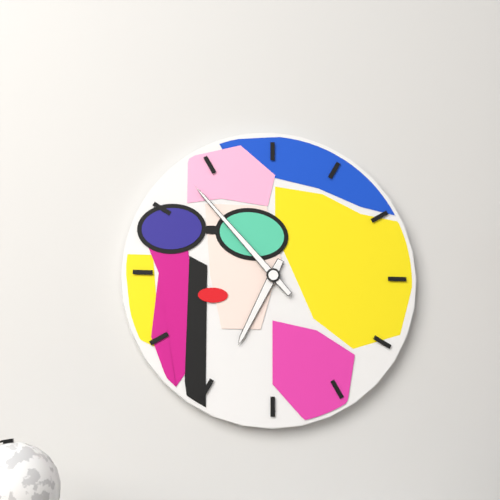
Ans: 6:53
